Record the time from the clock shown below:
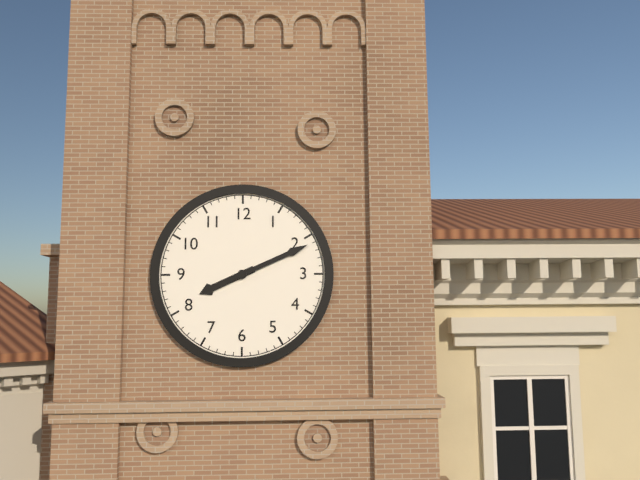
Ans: 8:11
